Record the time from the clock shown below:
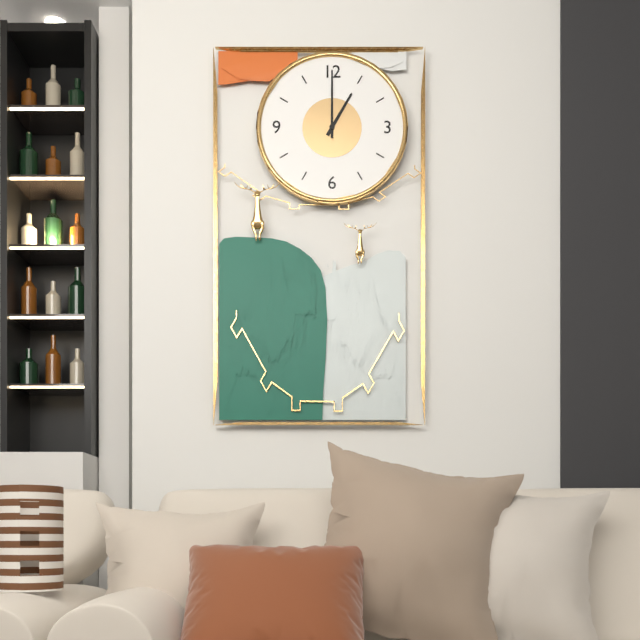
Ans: 1:00
